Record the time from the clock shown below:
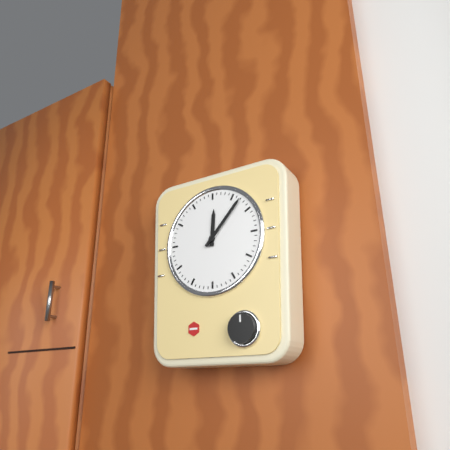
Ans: 12:07
